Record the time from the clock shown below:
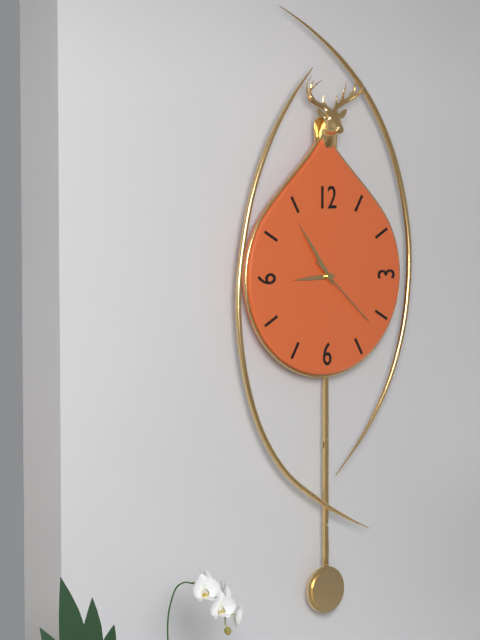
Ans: 8:54:22
